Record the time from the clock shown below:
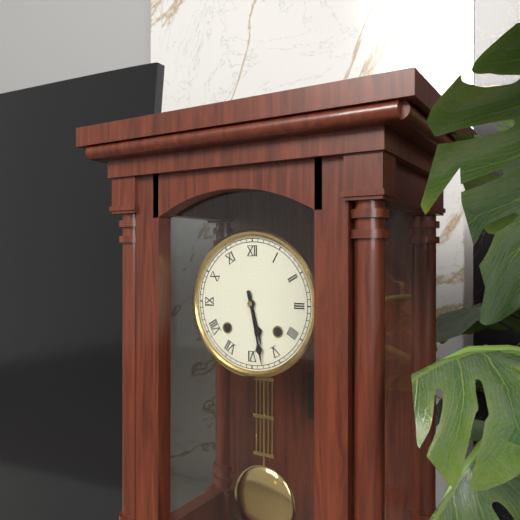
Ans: 5:28
